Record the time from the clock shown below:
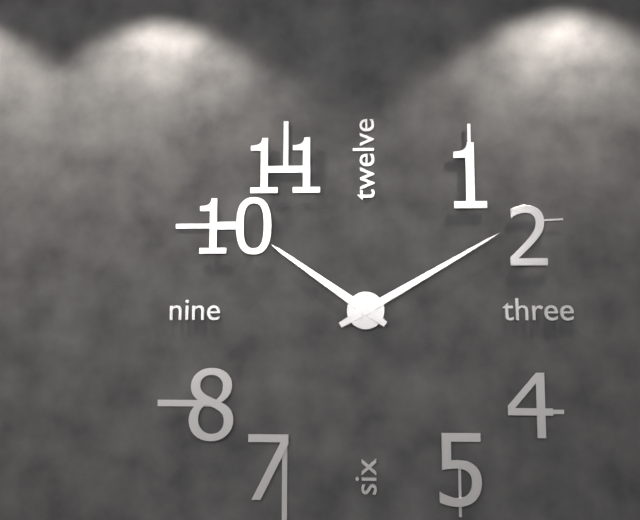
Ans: 10:10
